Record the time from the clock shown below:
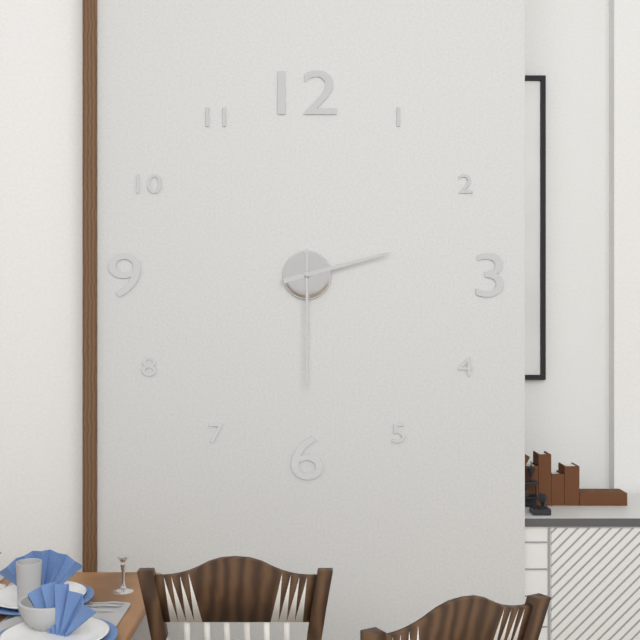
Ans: 2:30
